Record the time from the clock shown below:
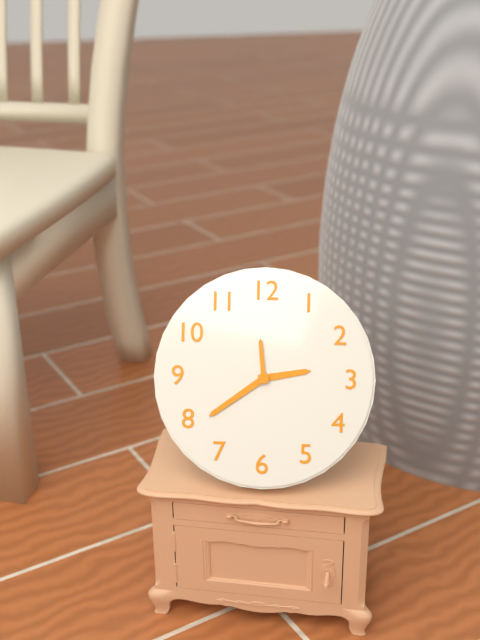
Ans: 2:39:59
